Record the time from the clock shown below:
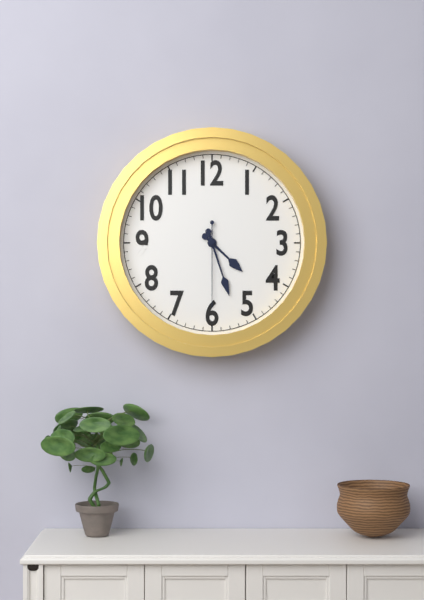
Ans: 4:27:30
